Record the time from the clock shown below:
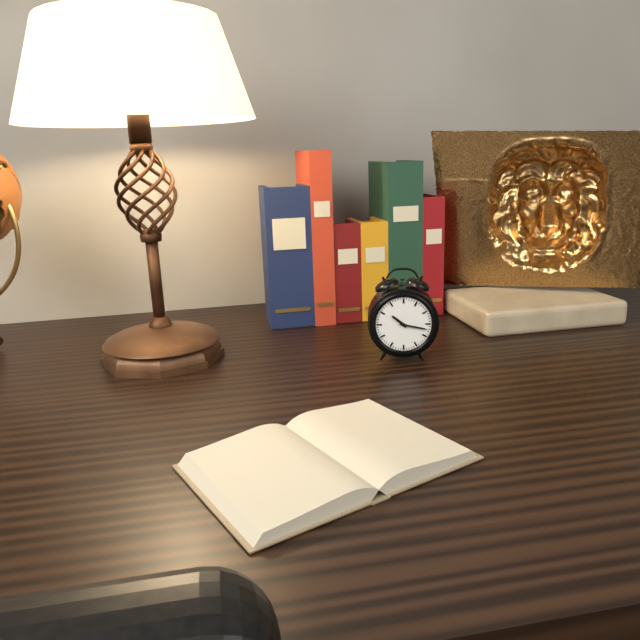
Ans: 10:17
